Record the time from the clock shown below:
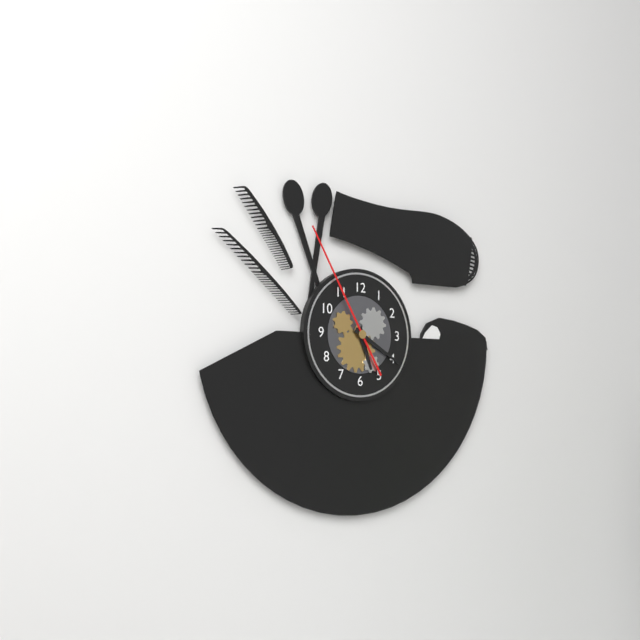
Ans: 5:20:55
